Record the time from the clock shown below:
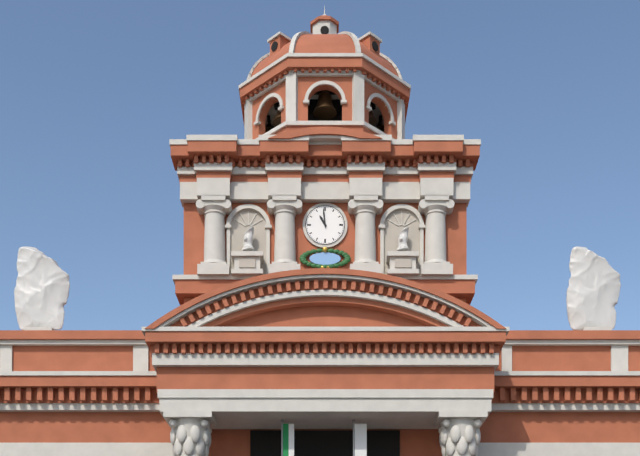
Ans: 10:59
